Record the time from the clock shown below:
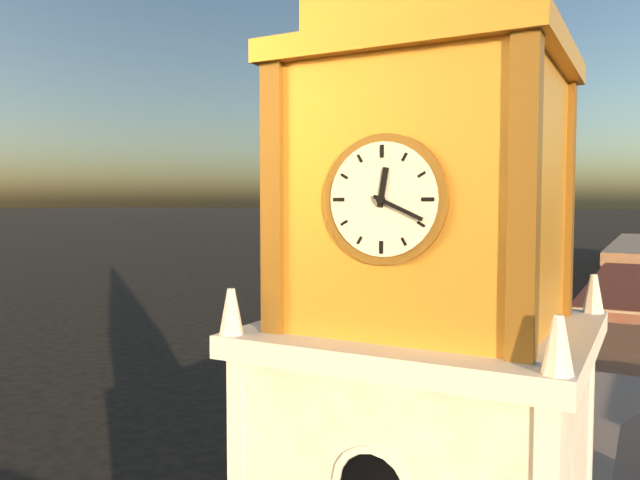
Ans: 12:19
